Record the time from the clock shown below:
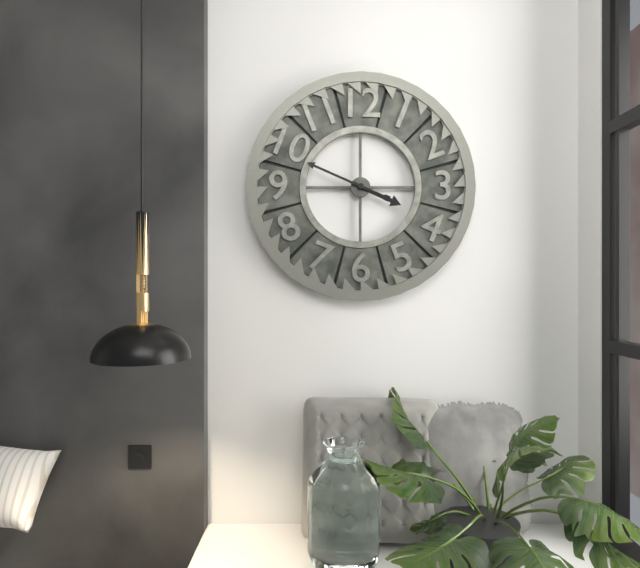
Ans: 3:49
